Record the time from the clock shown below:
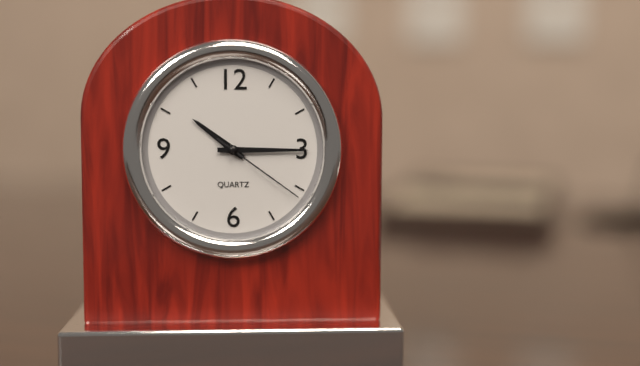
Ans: 10:15:21
